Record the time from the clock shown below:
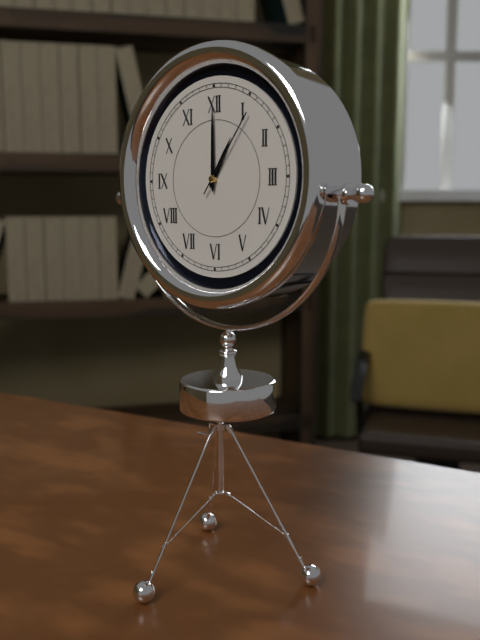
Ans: 1:00:06
